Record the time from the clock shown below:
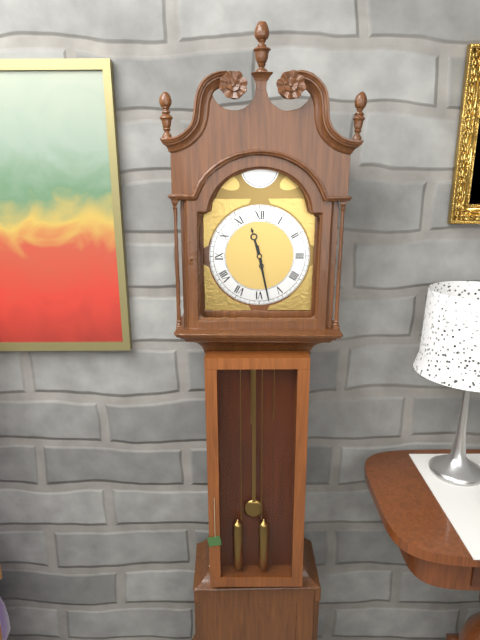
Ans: 11:28
